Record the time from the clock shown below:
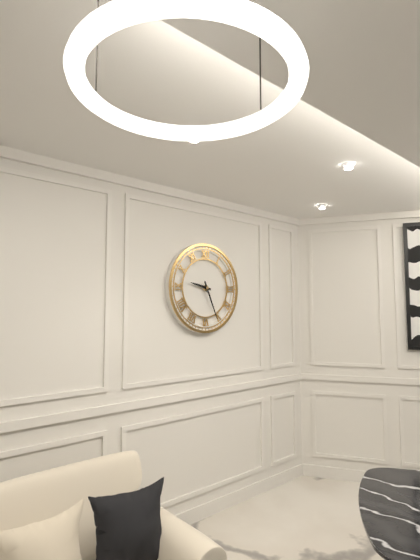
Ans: 9:26
